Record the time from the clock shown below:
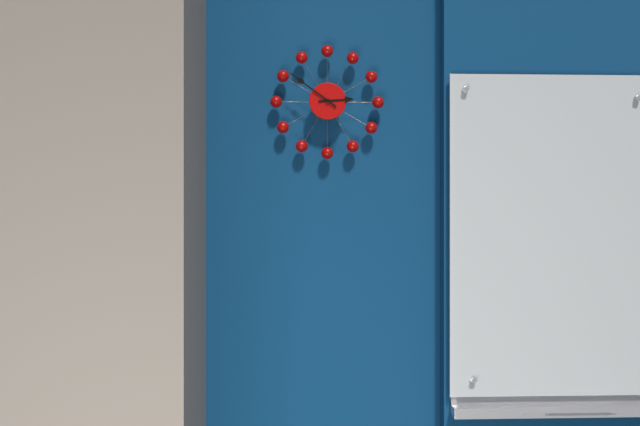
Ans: 2:51
